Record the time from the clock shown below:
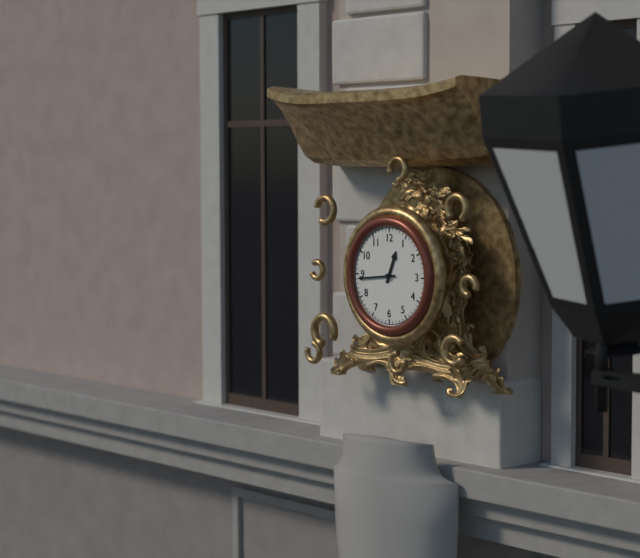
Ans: 12:44
